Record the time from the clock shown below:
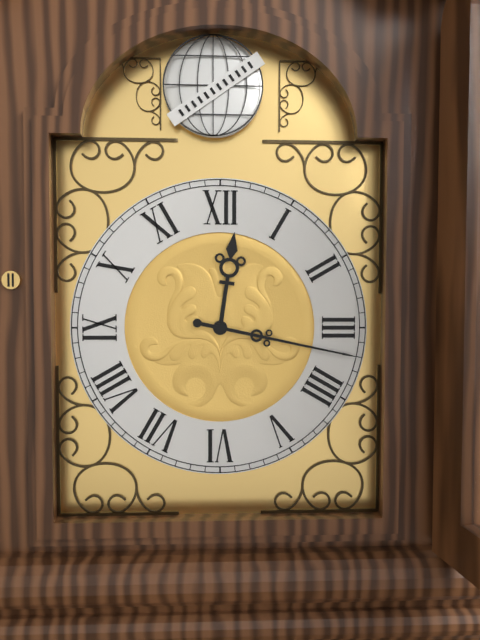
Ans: 12:17
